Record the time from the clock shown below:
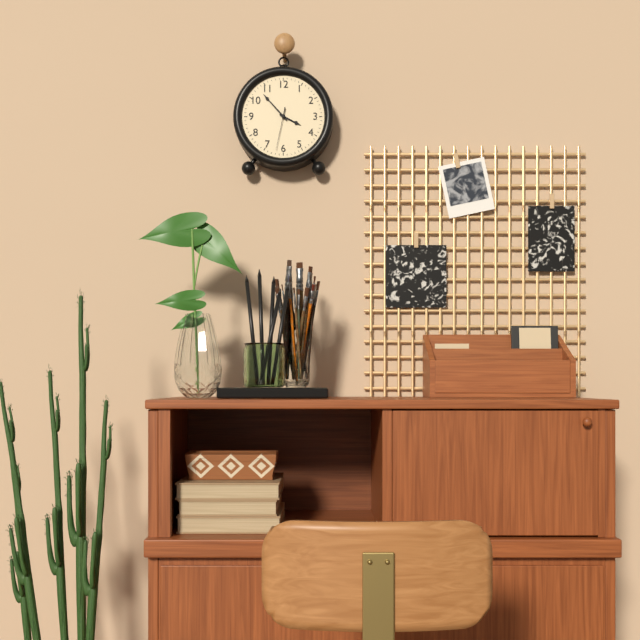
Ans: 3:53
